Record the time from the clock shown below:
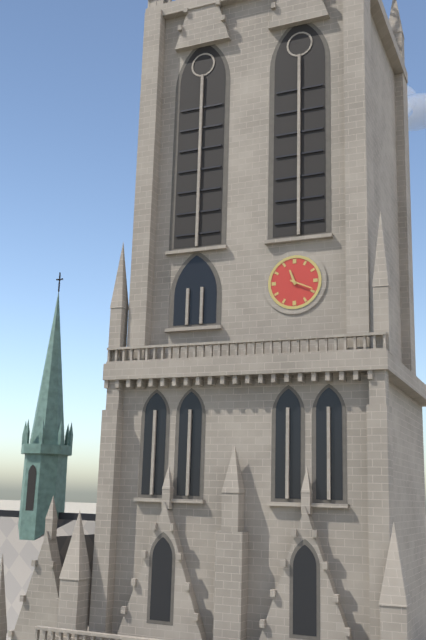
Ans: 11:19
